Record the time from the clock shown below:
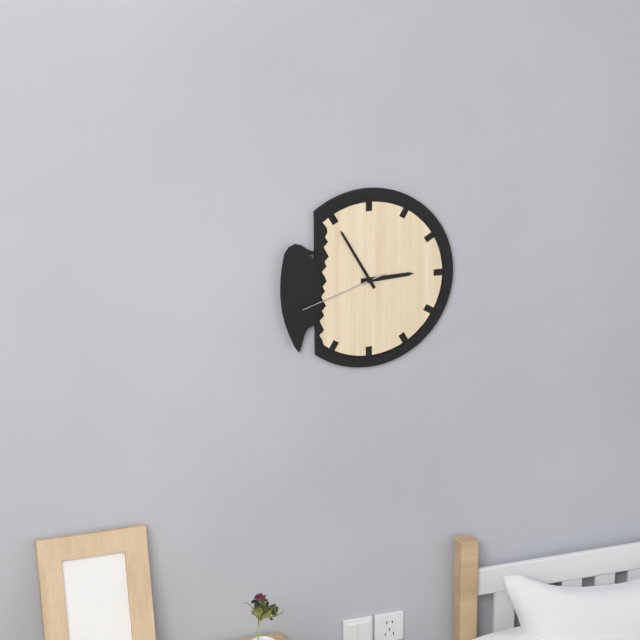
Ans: 2:55:42
